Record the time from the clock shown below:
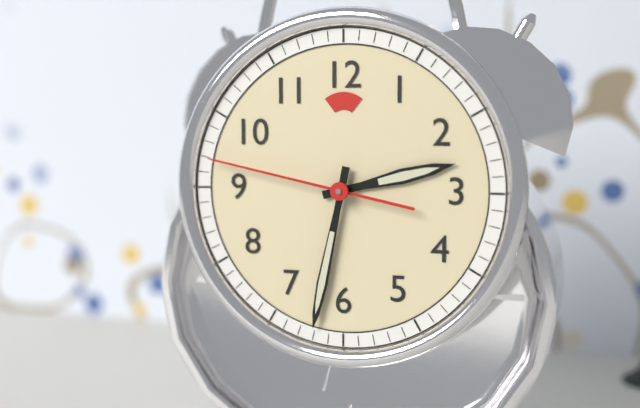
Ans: 2:32:47
